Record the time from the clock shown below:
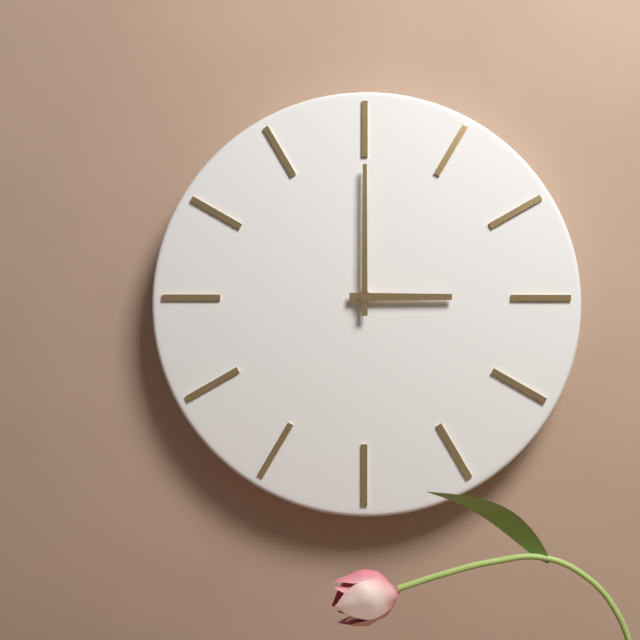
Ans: 3:00
